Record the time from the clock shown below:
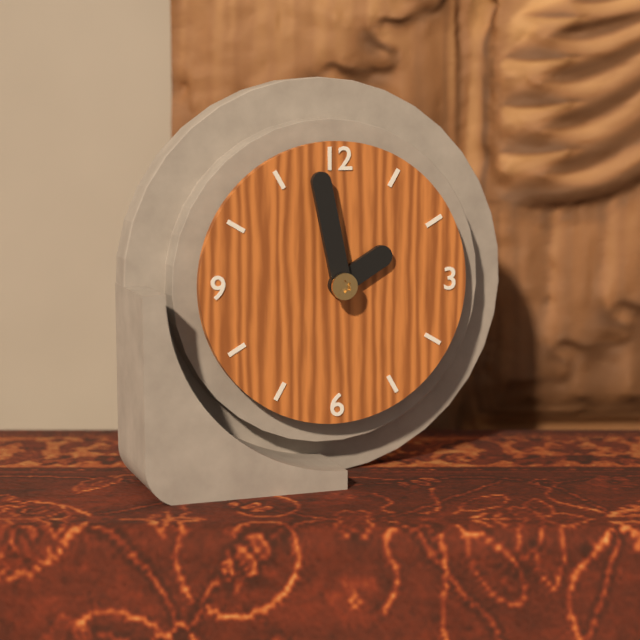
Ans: 1:58
